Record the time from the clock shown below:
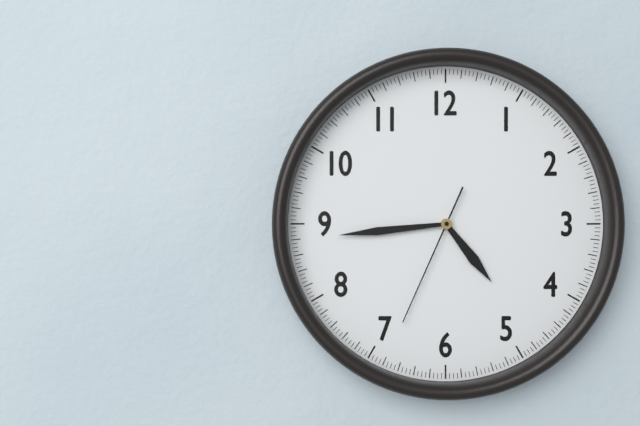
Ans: 4:44:34
